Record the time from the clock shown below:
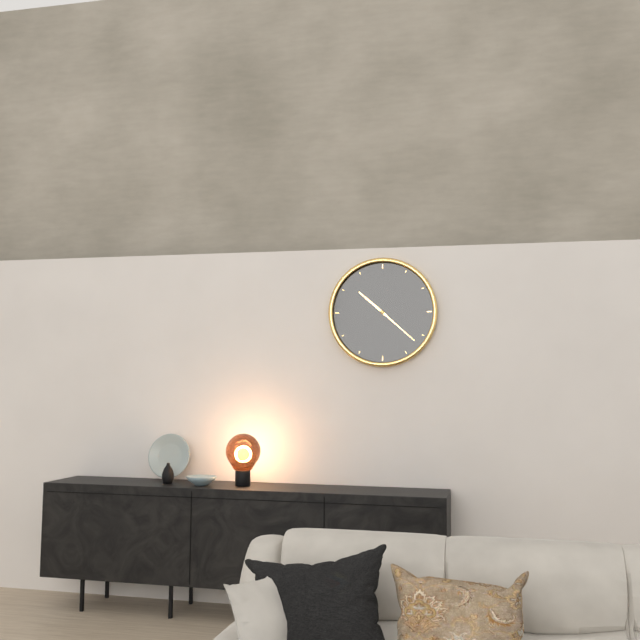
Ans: 10:22
